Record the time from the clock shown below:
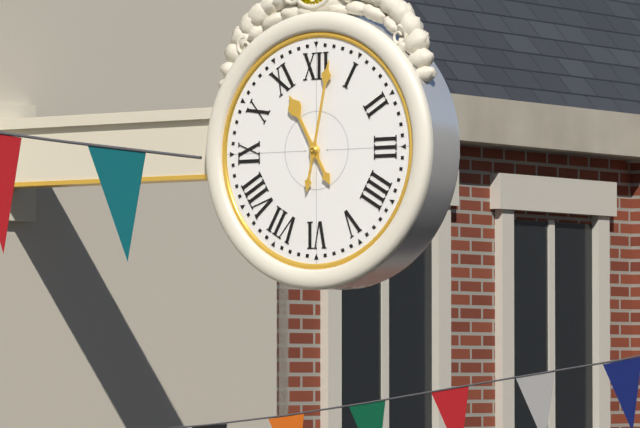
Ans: 11:02
